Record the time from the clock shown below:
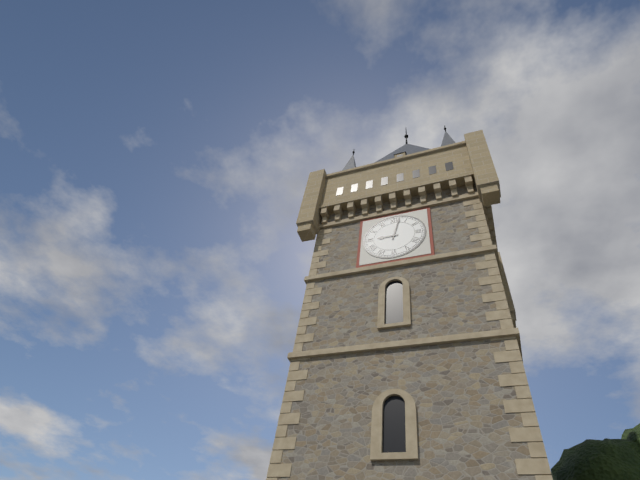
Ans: 9:02
